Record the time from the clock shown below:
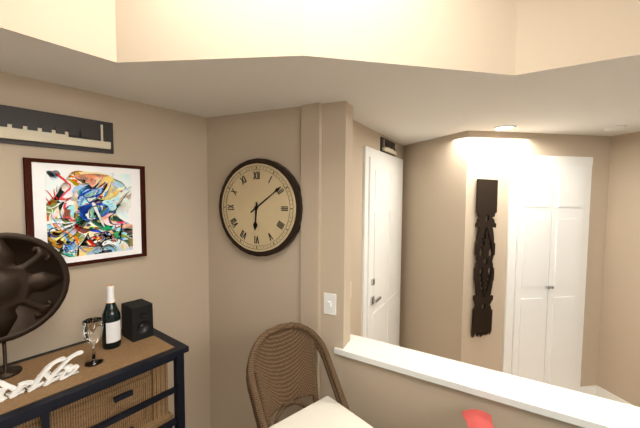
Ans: 6:09
